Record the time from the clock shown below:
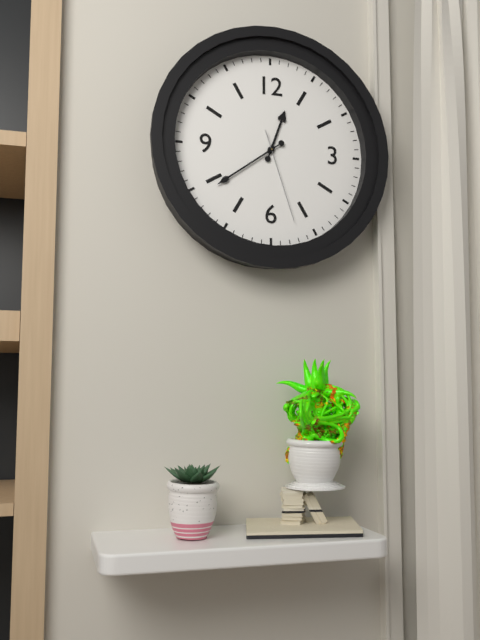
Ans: 12:39:27
